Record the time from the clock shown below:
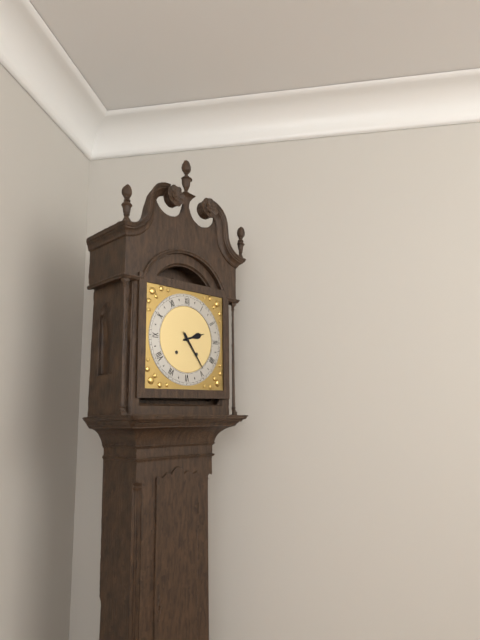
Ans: 2:24
